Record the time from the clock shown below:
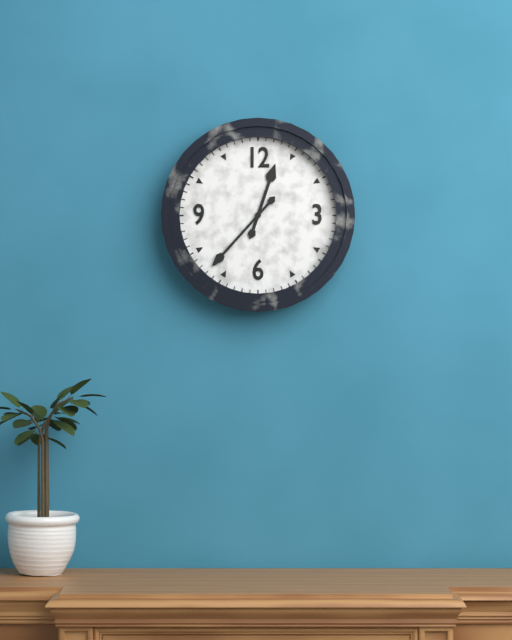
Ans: 12:37
